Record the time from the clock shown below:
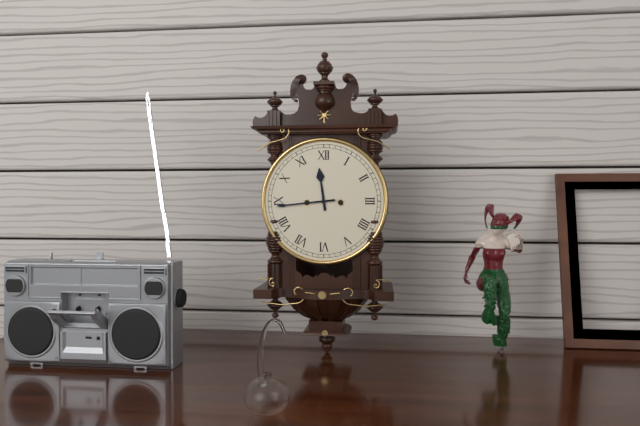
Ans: 11:44
